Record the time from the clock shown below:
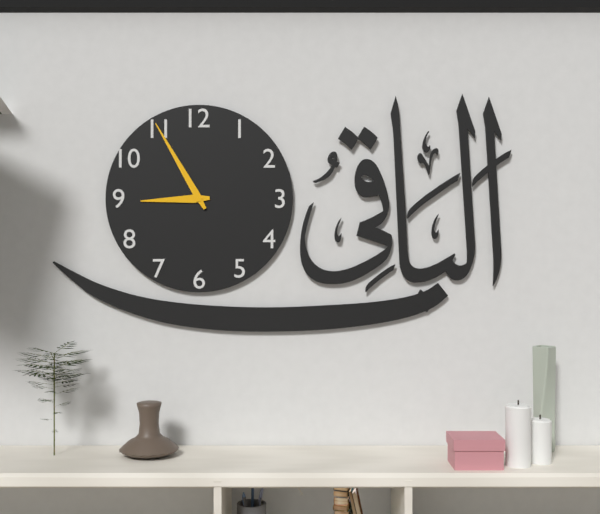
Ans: 8:55
